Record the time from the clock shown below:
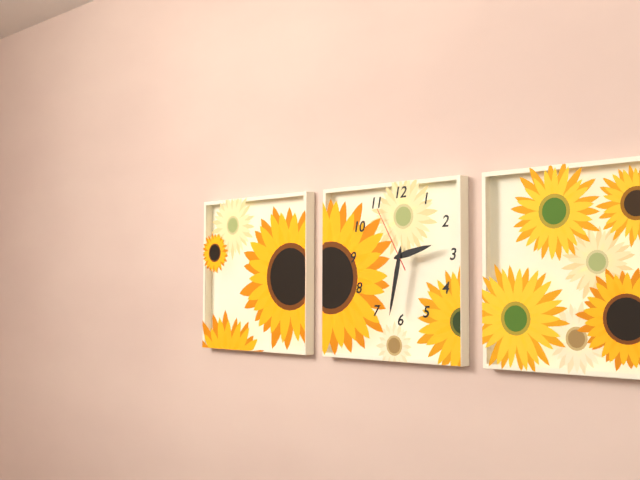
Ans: 2:32:55
